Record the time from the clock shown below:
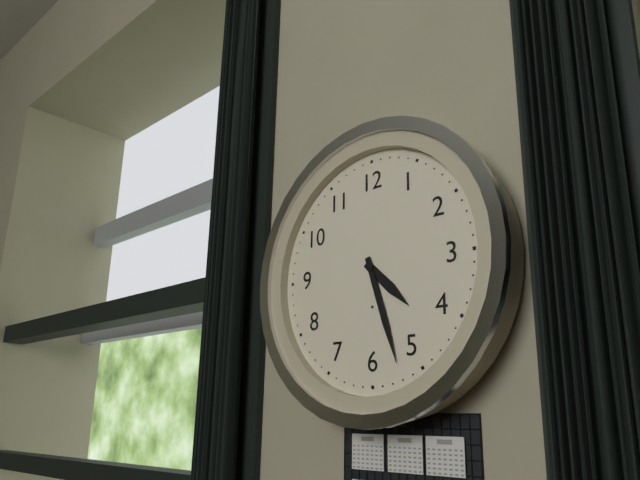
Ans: 4:27
